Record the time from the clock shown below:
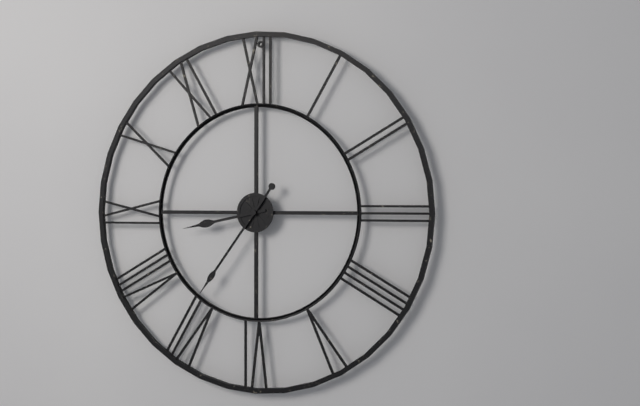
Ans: 8:36
